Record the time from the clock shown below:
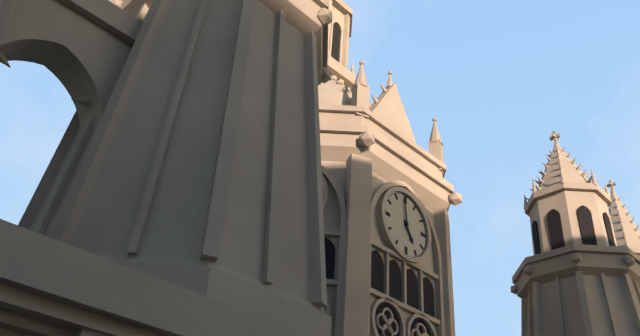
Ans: 4:59
